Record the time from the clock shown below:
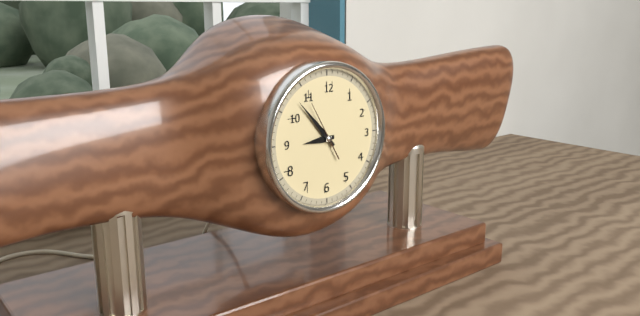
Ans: 8:53
